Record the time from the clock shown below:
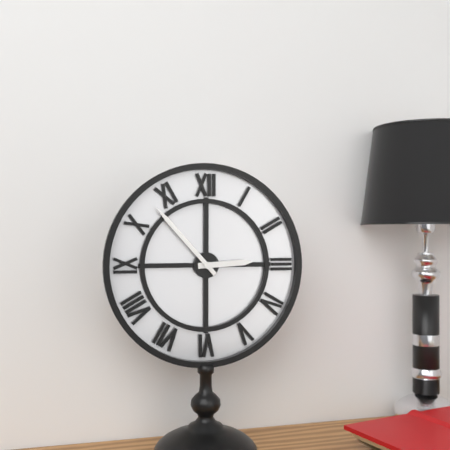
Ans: 2:53
